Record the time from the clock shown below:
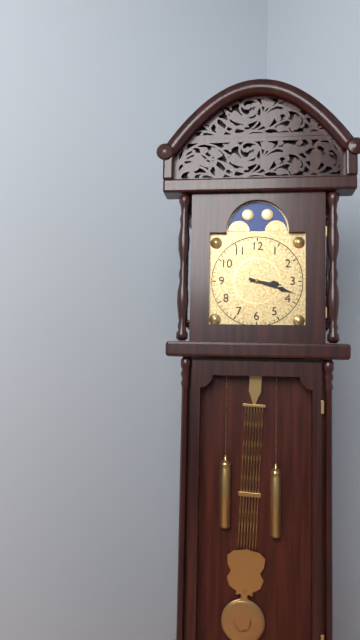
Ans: 3:18
